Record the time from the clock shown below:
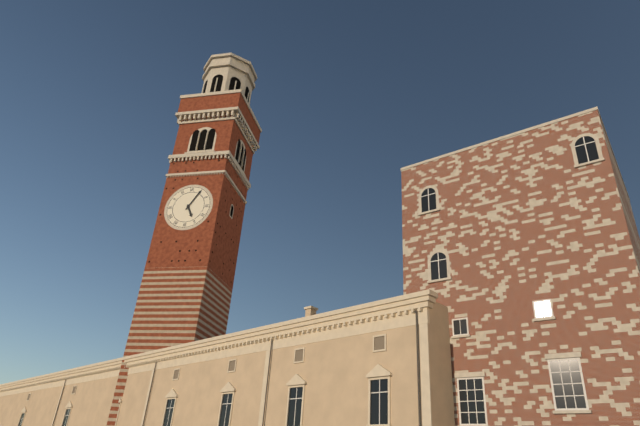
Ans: 5:05
